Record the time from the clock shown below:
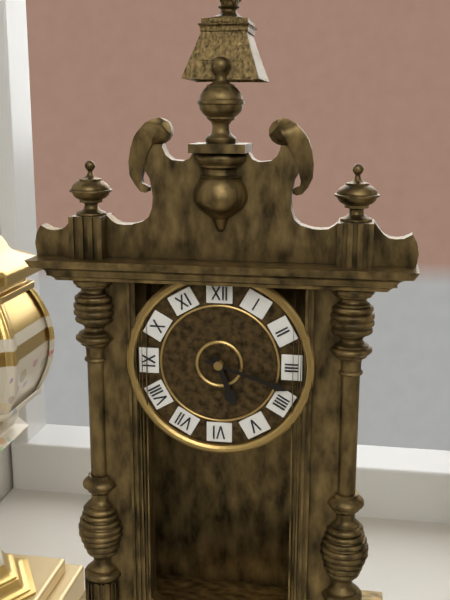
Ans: 5:18
